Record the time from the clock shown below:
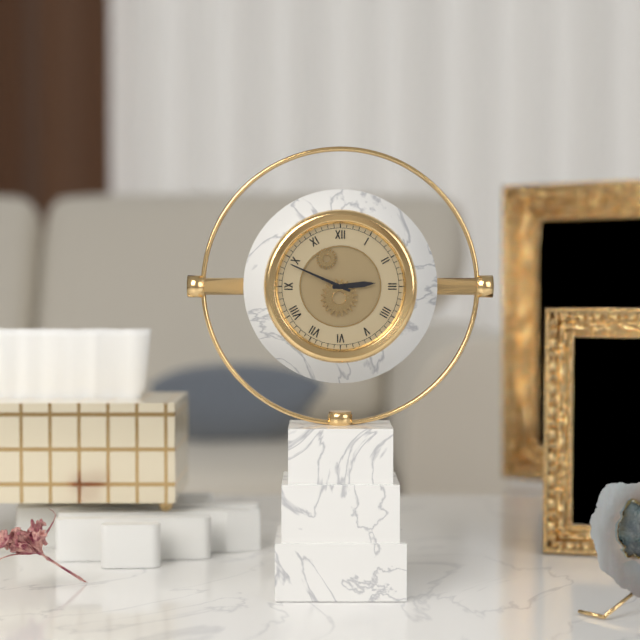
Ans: 2:49
